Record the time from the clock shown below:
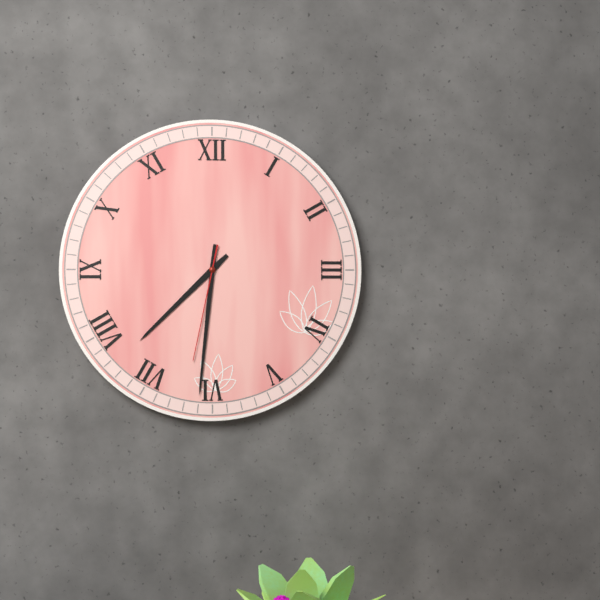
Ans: 7:31:32
